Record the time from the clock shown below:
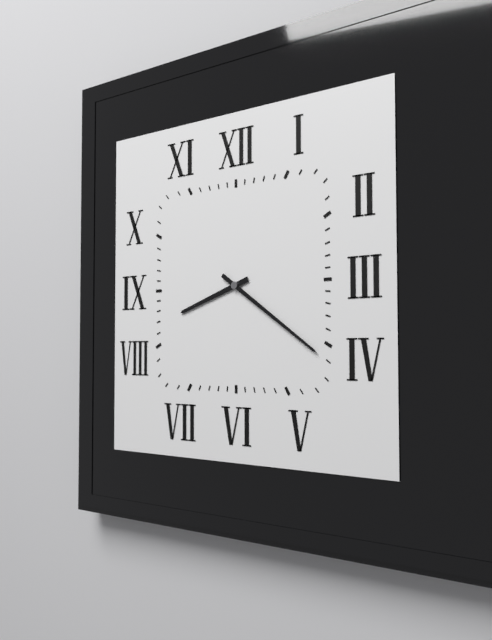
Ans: 8:21
